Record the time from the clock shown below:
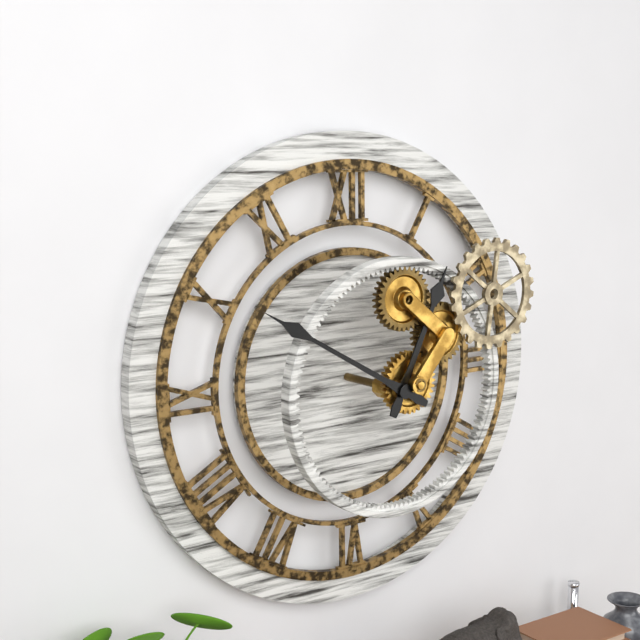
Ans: 12:50
